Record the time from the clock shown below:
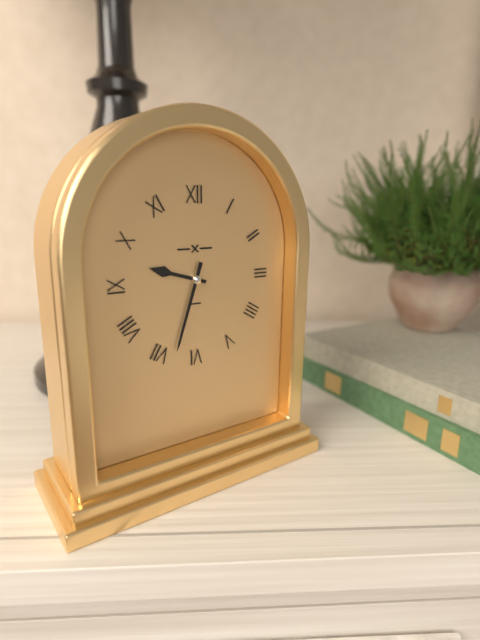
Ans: 9:33
